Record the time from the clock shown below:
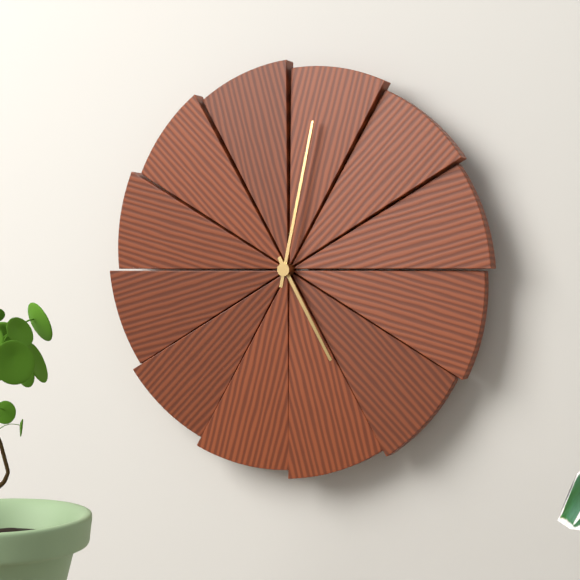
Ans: 5:02
